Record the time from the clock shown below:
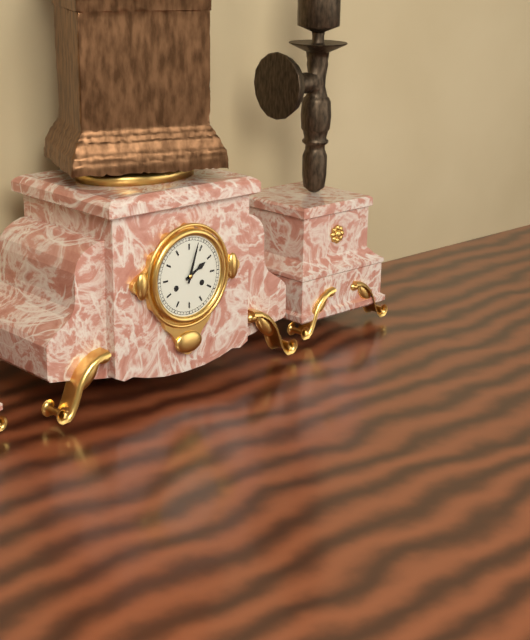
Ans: 2:03
